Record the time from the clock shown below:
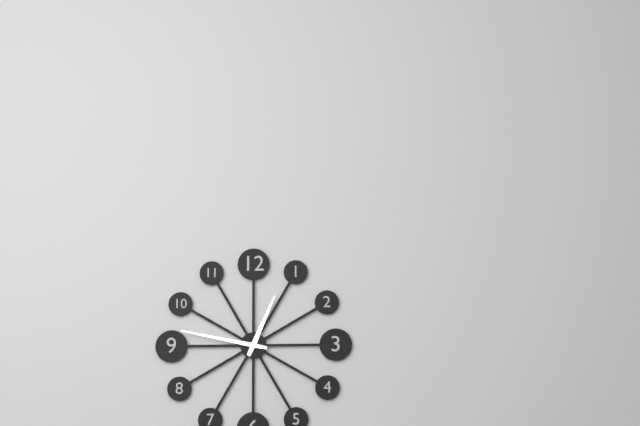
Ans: 12:47
